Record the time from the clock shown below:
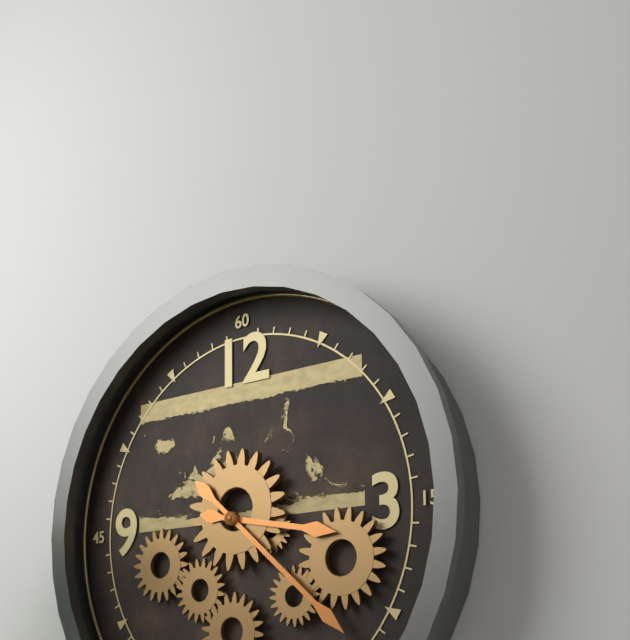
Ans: 3:22
